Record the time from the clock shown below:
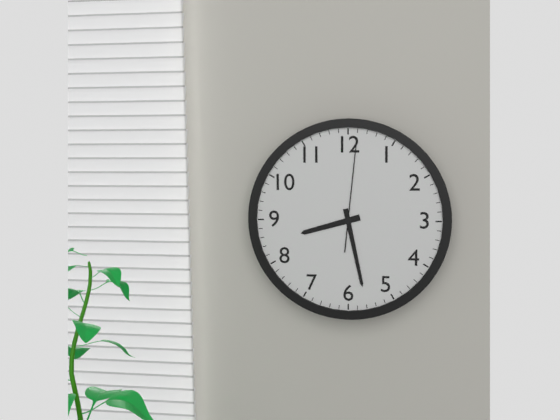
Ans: 8:28:01
